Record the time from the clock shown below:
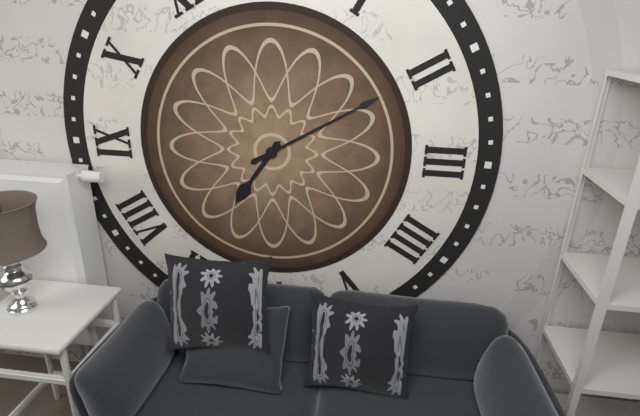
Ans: 7:10
